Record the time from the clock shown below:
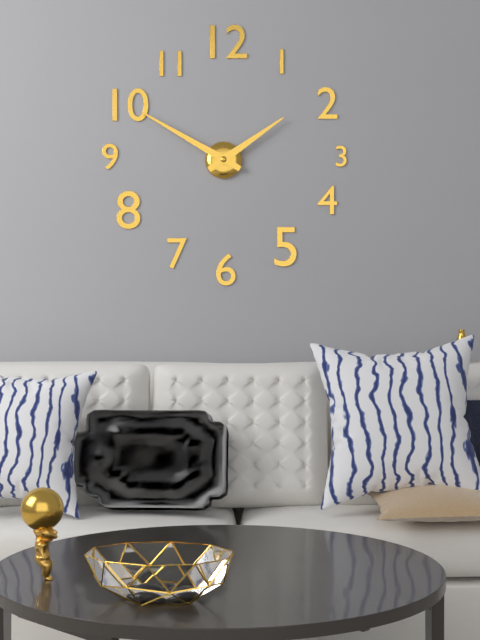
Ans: 1:50
